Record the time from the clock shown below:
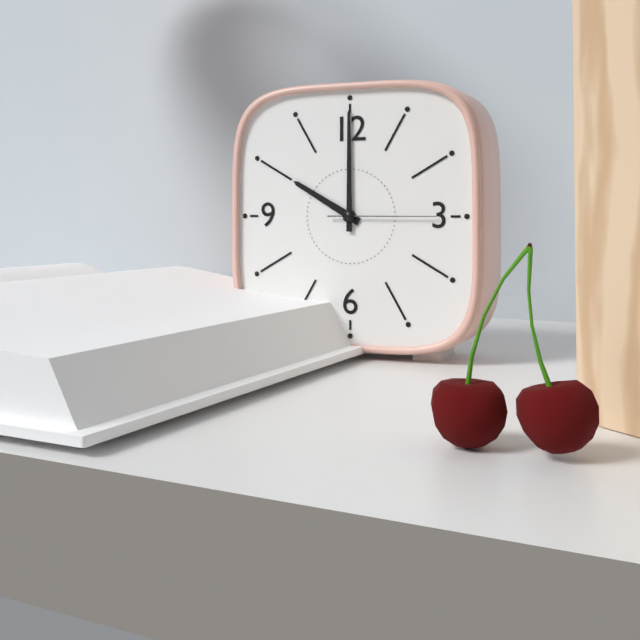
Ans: 10:00:15
